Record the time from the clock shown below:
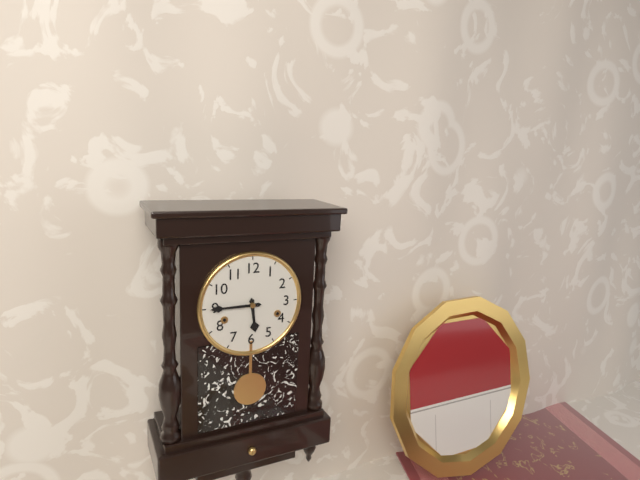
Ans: 5:45
